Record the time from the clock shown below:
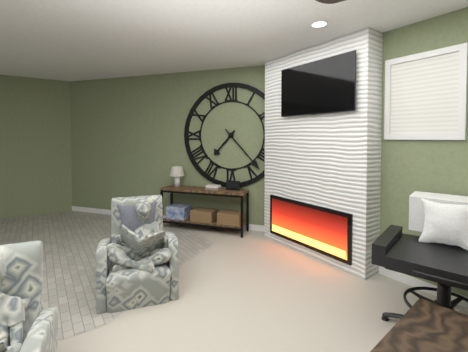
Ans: 7:23
